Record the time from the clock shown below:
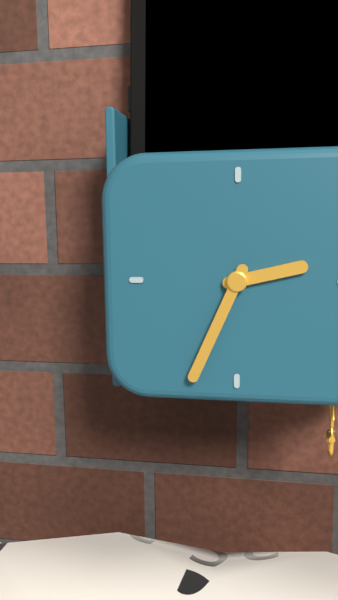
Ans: 2:34
